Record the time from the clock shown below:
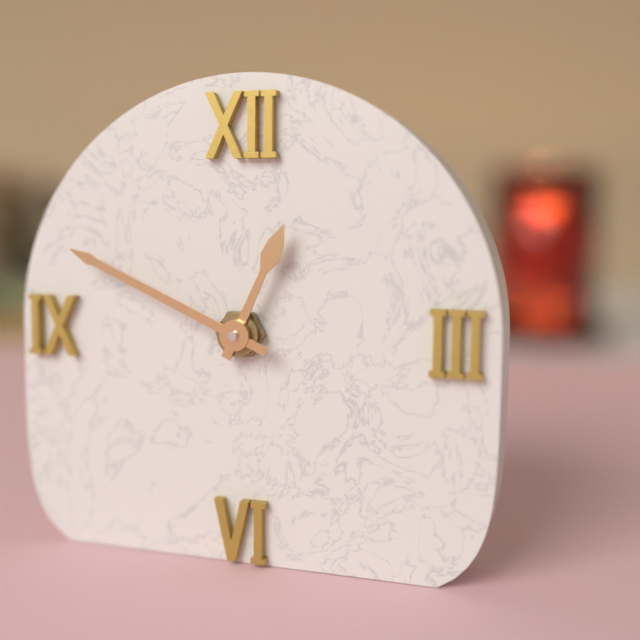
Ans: 12:49
